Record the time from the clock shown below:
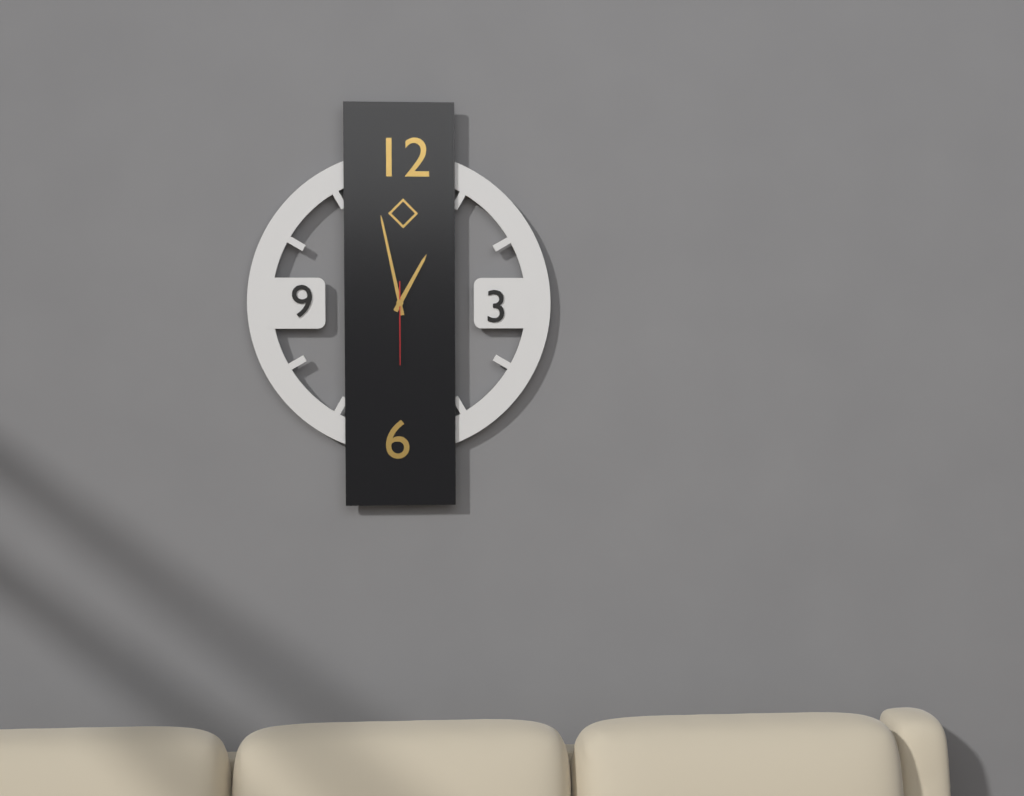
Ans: 12:58:30
